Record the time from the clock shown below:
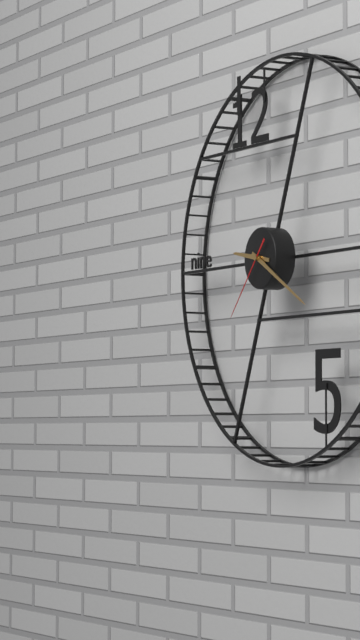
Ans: 9:20:37
